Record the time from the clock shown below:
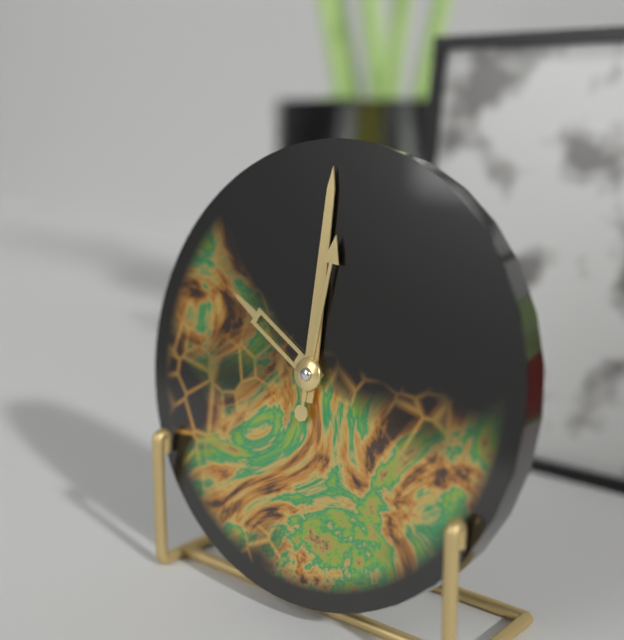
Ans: 10:00:01
